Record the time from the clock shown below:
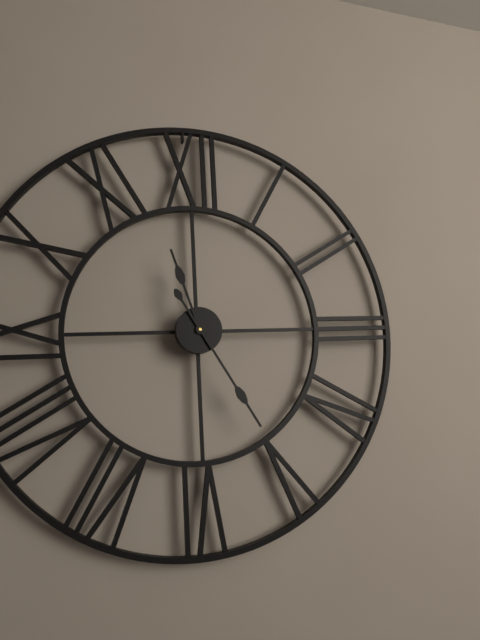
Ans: 11:25
